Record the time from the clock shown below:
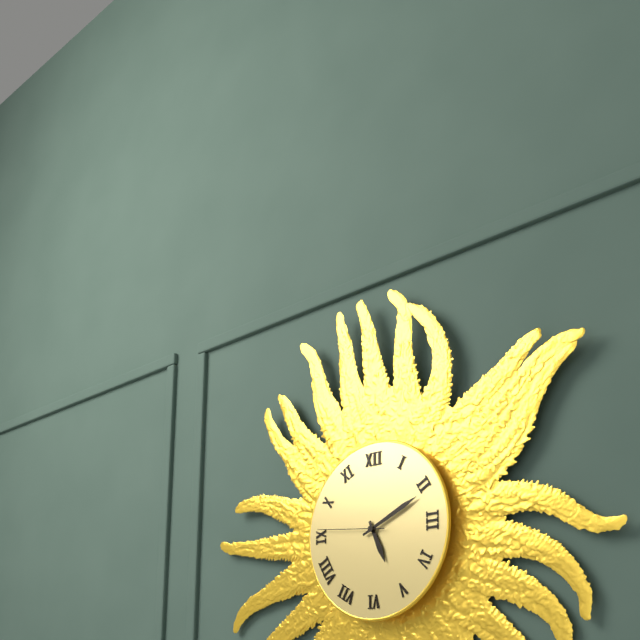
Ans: 5:11:46
